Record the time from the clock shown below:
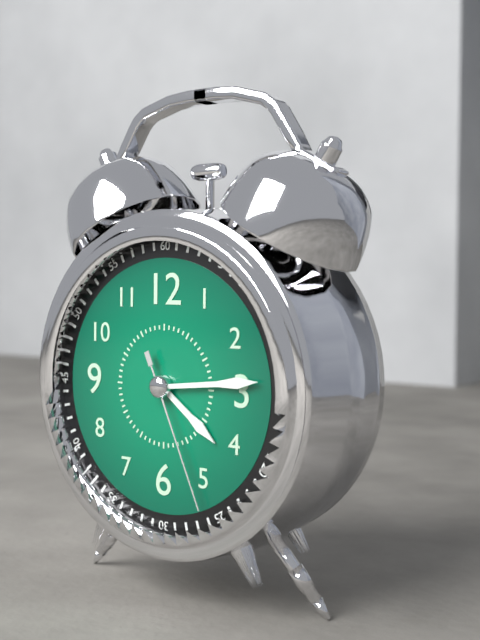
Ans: 4:14:26
